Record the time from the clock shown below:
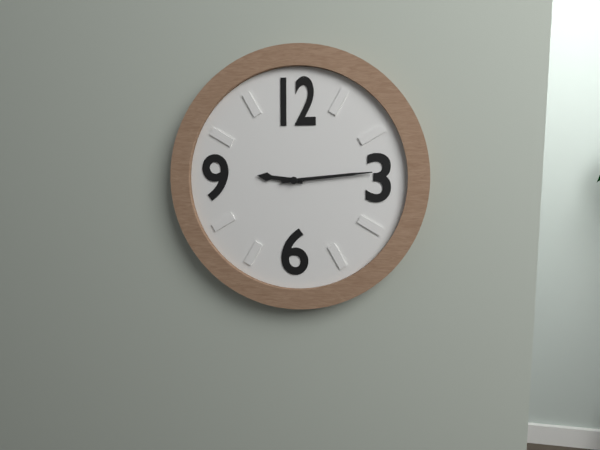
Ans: 9:14
